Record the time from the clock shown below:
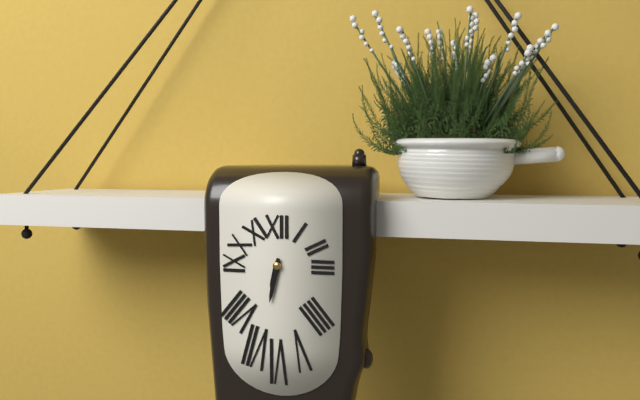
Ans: 6:32
